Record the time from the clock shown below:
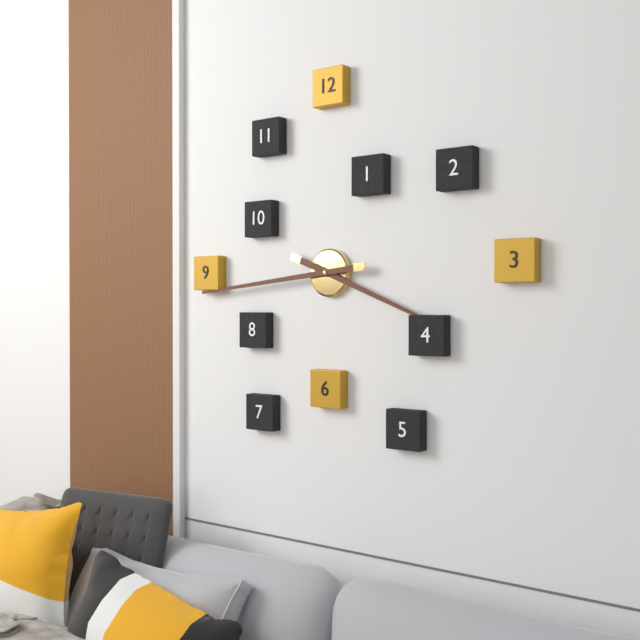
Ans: 3:44
